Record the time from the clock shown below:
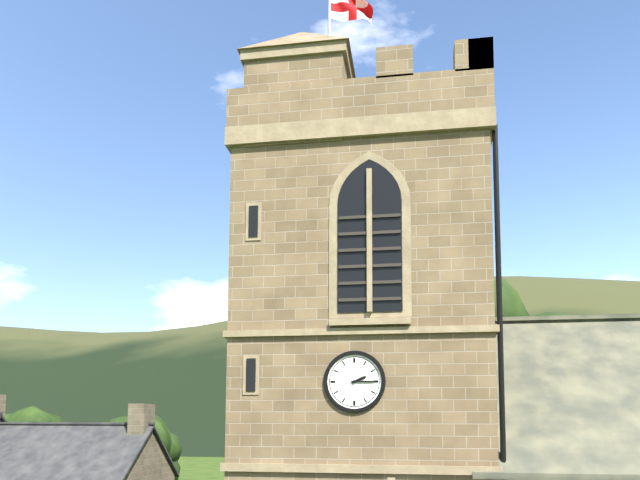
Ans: 2:15
